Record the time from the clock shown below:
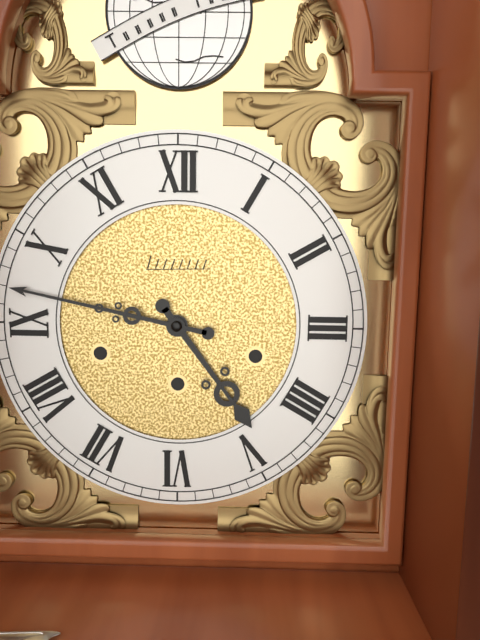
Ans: 4:47
